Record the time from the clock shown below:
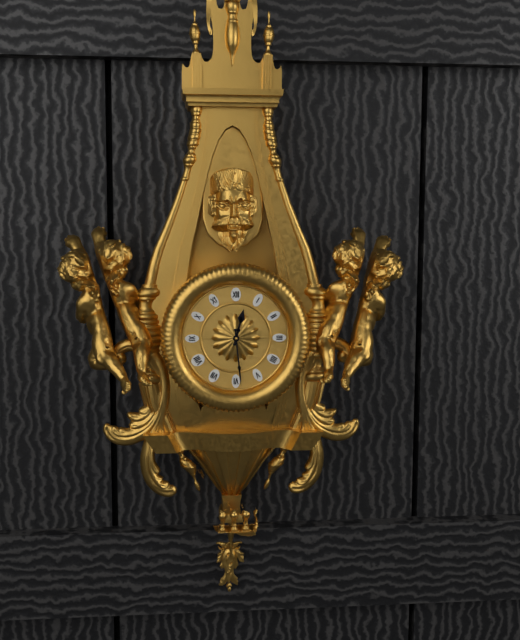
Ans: 12:29
